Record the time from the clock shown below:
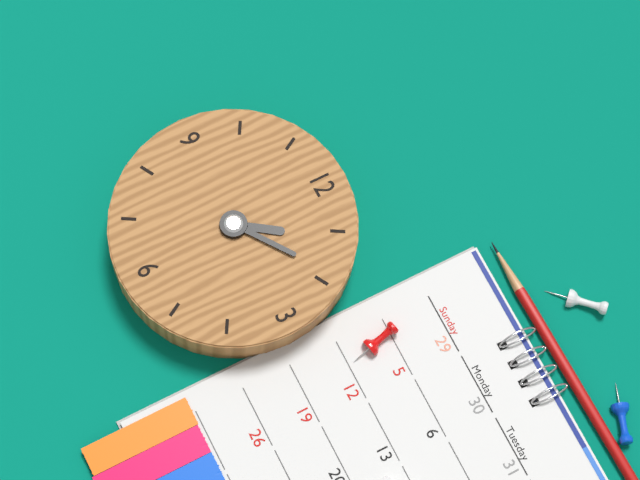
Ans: 1:09
